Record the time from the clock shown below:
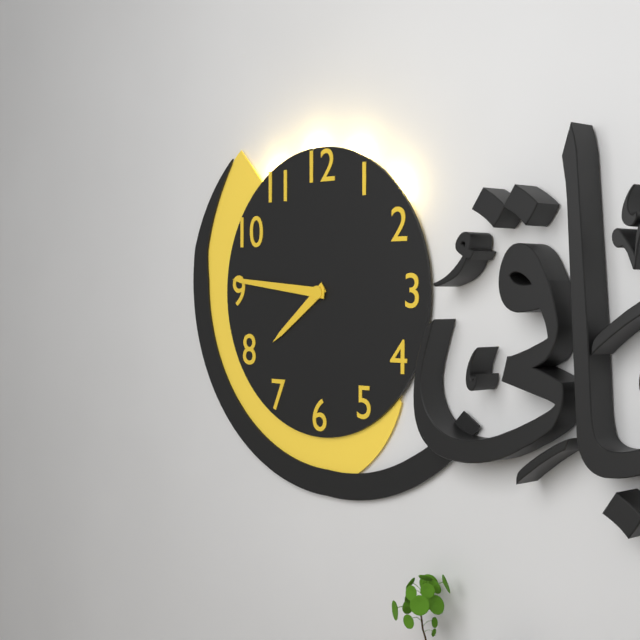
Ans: 7:46
